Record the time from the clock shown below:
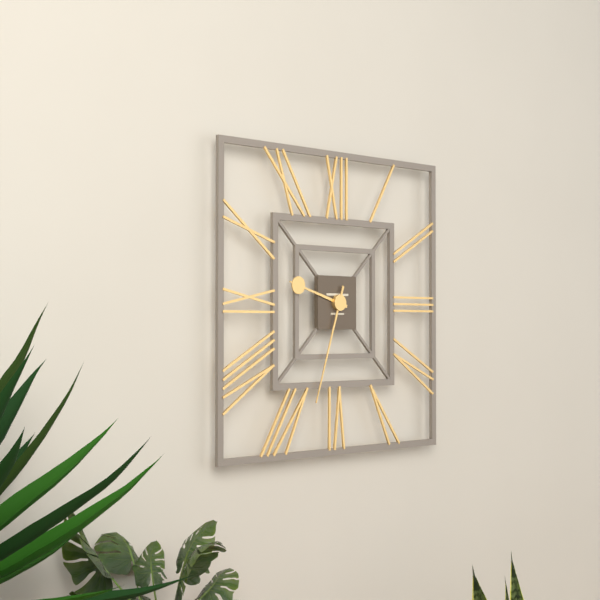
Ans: 9:33
